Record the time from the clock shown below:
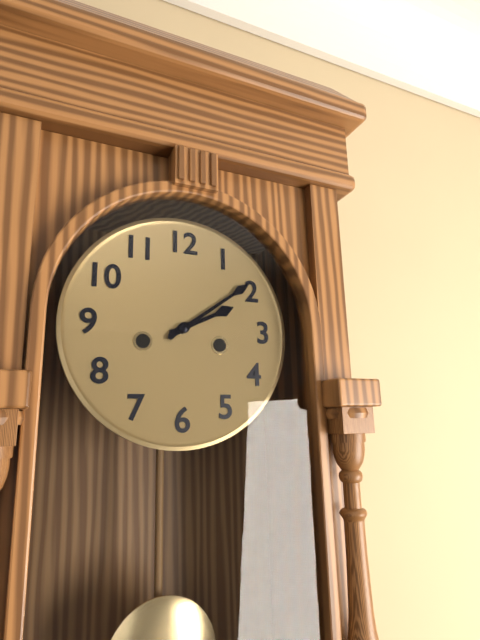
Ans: 2:09
